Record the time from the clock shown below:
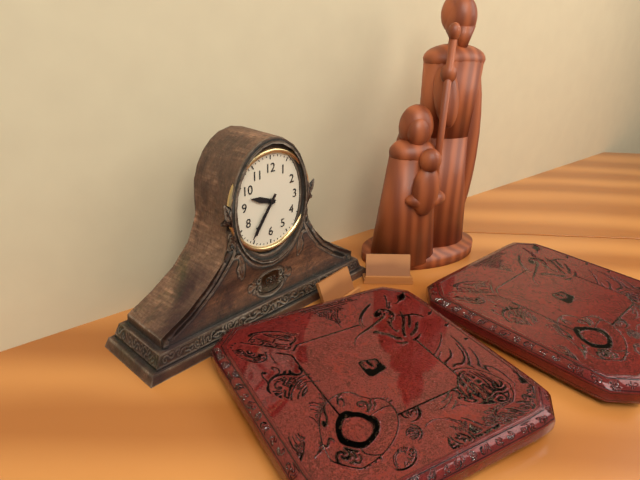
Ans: 9:36
